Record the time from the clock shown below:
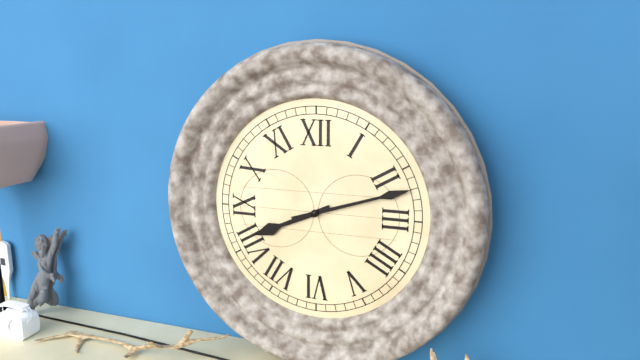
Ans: 8:12
